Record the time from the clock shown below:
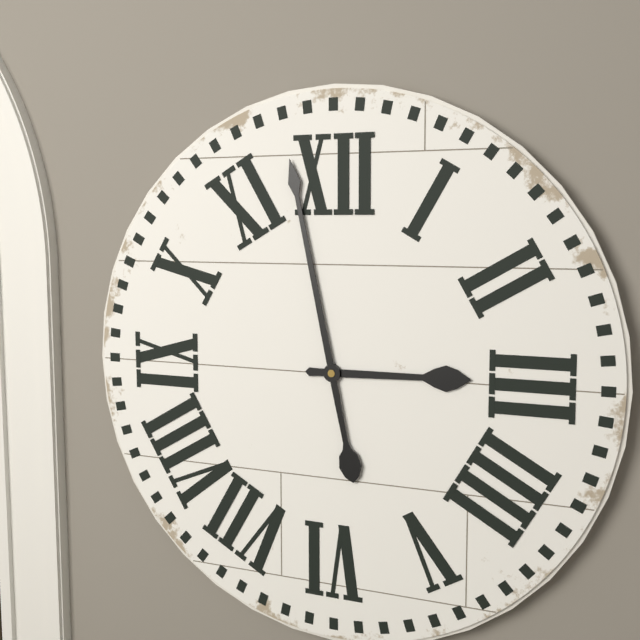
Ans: 2:58
